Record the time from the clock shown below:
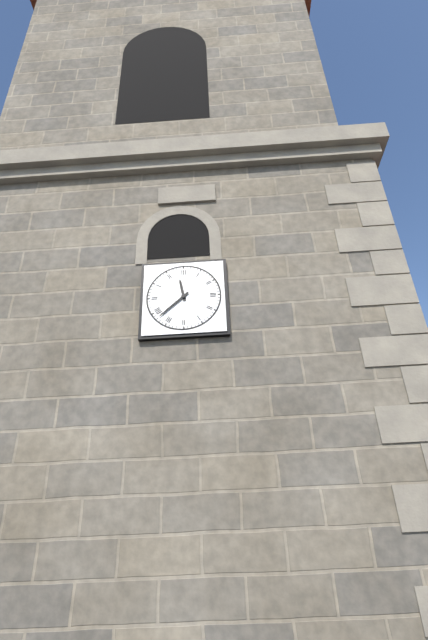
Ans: 11:38
